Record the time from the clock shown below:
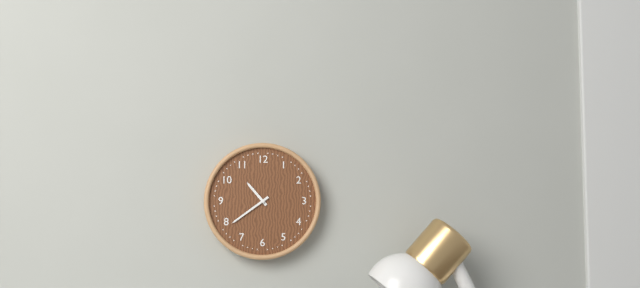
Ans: 10:39
